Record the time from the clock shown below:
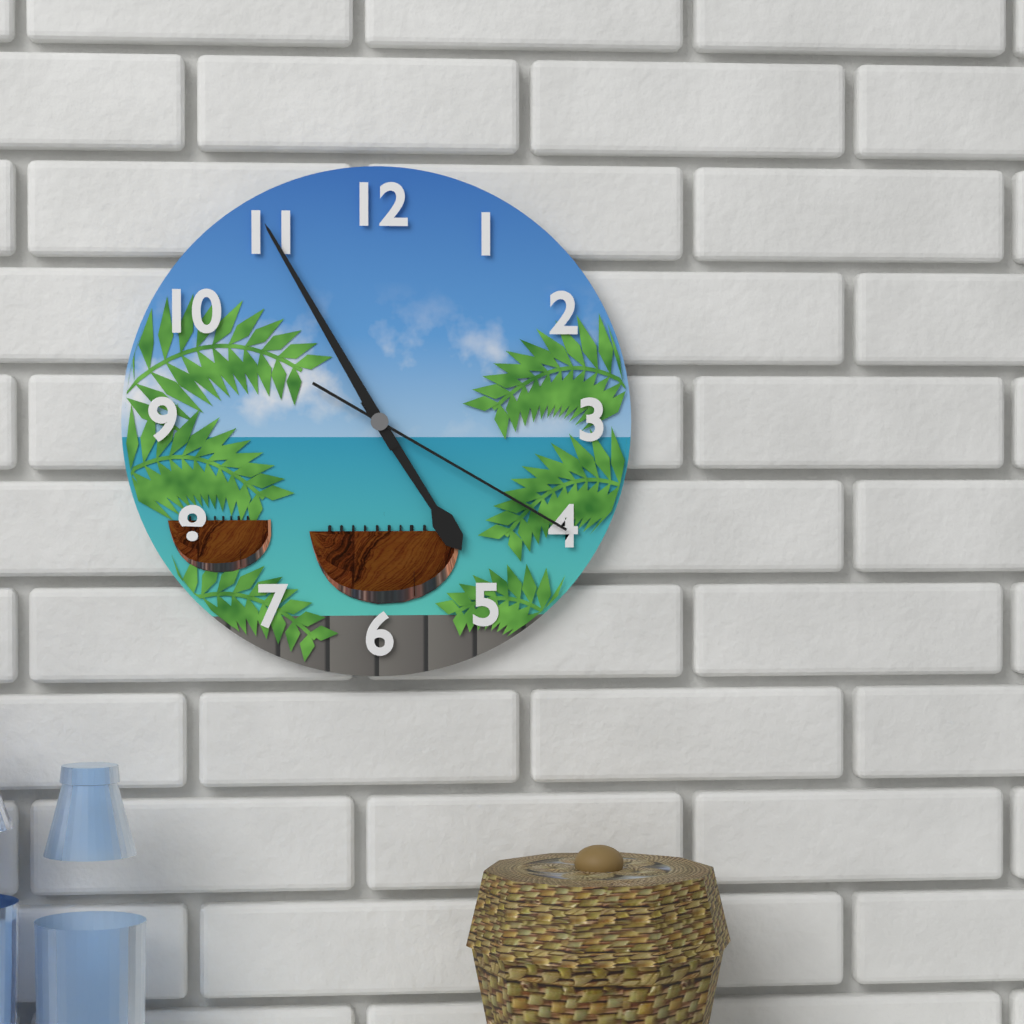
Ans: 4:55:20
